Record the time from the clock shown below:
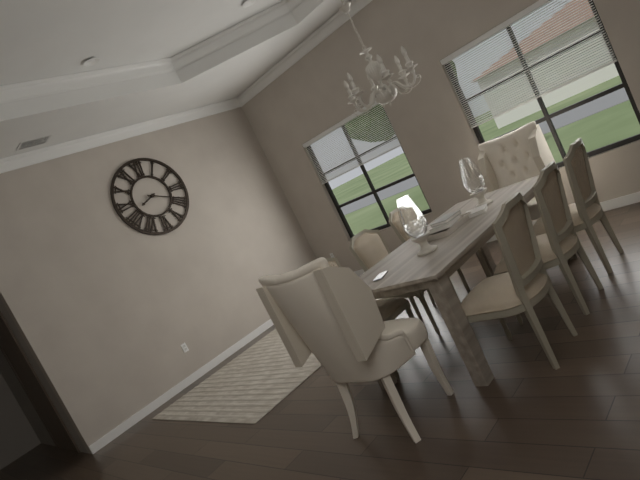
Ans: 8:19
